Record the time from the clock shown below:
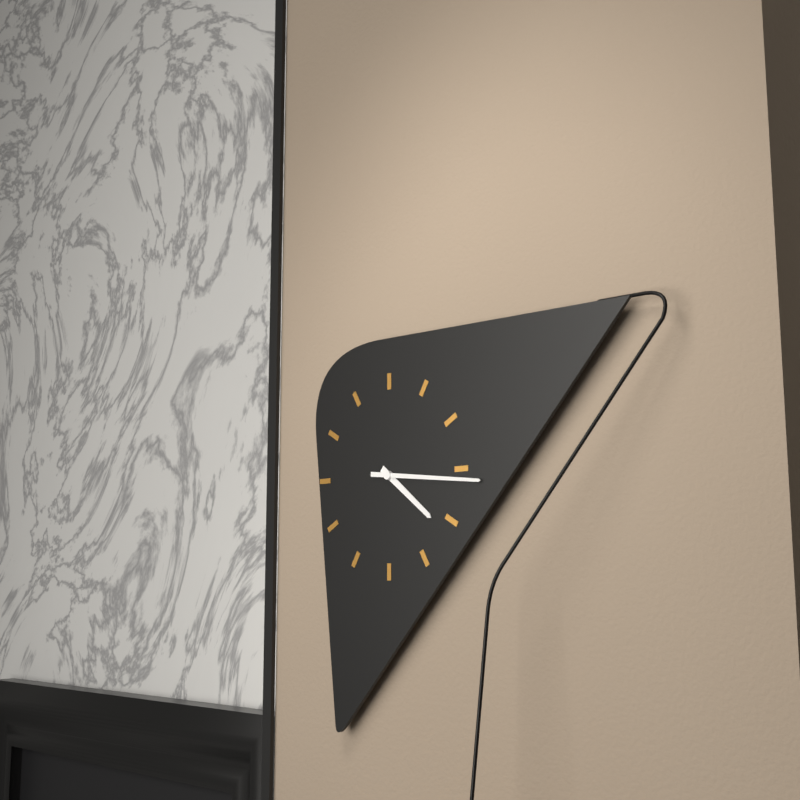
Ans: 4:16
